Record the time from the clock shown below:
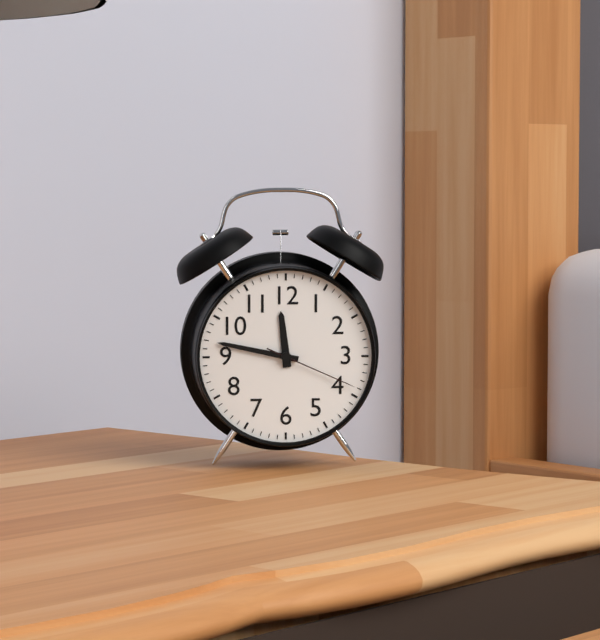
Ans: 11:47:19
